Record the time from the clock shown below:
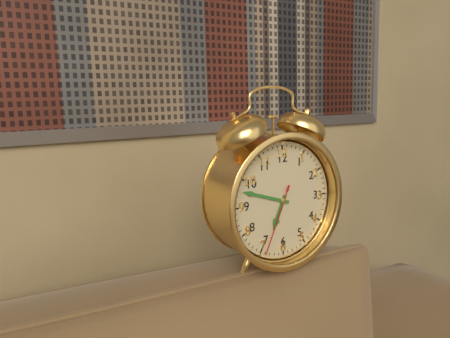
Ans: 6:48:34
